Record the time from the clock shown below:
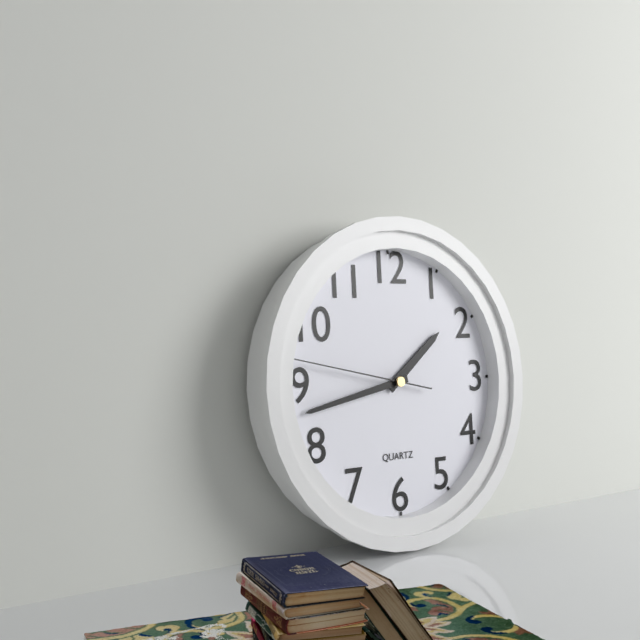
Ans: 1:43:47
